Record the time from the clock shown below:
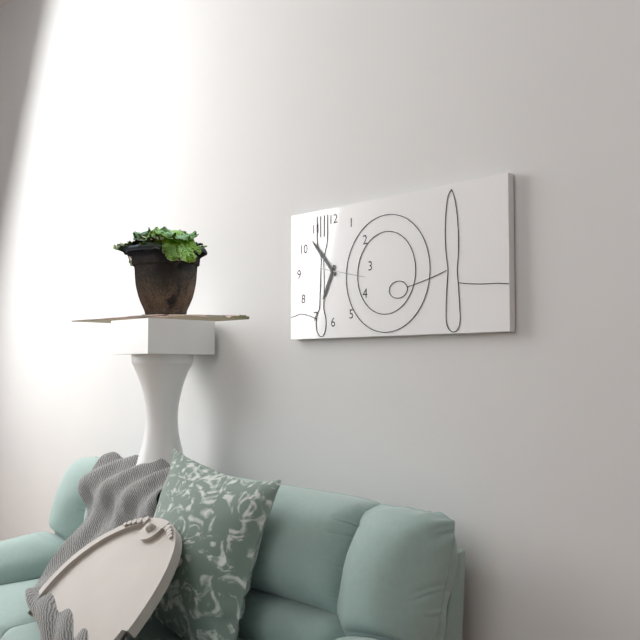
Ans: 6:53
